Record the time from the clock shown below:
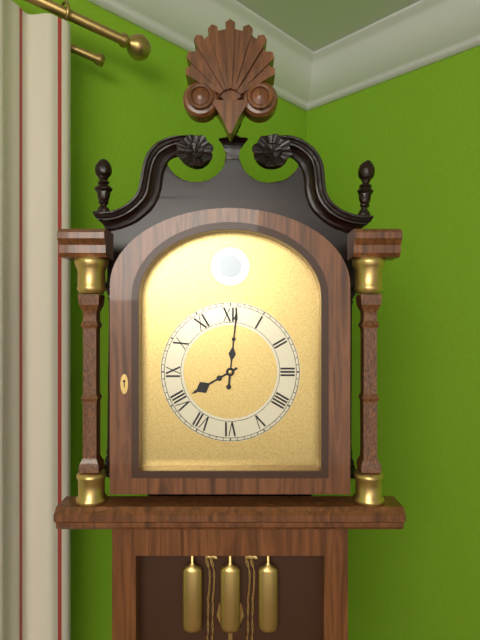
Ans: 8:01
